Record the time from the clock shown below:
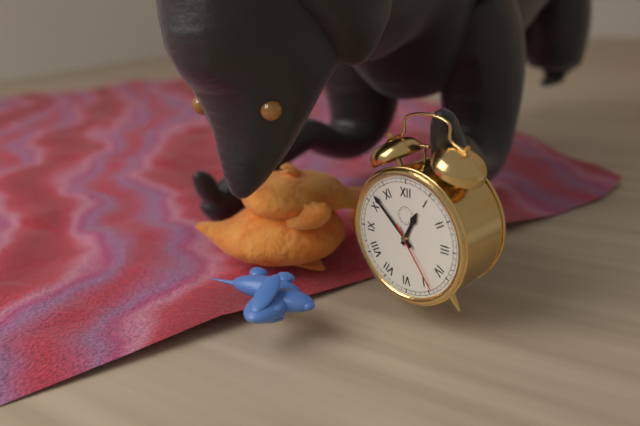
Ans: 12:52:24
